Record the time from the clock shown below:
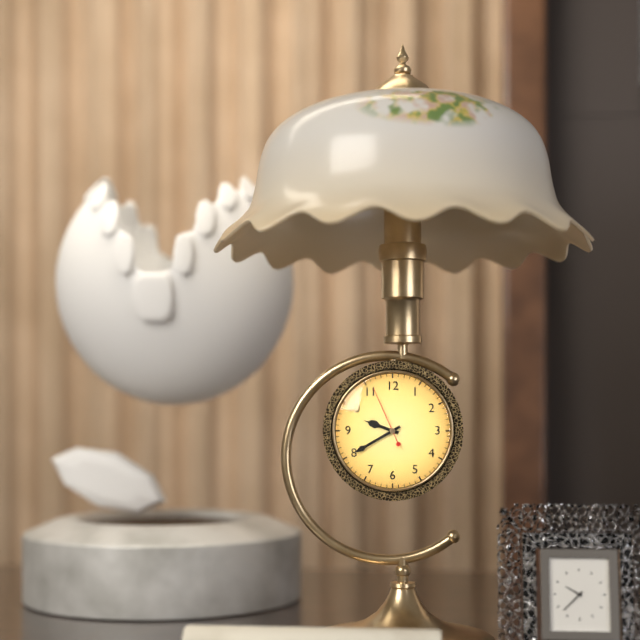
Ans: 9:40:56
